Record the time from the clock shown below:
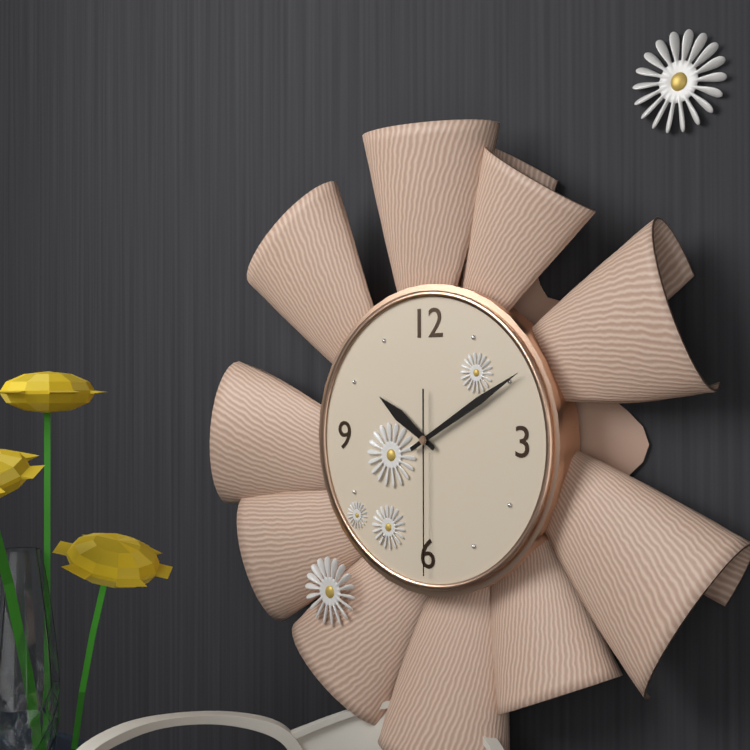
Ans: 10:10:30
